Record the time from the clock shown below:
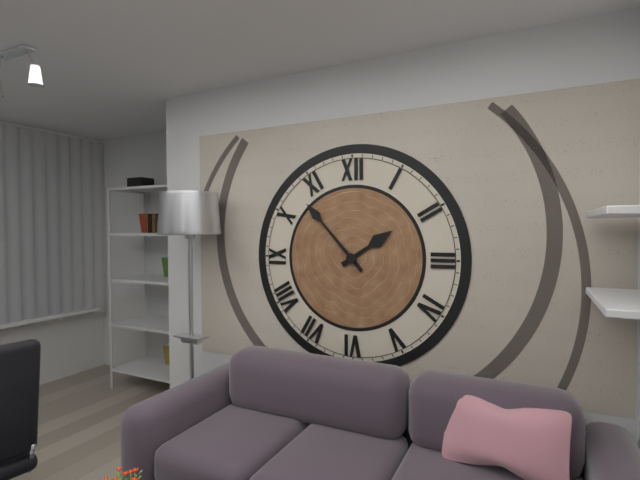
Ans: 1:53
